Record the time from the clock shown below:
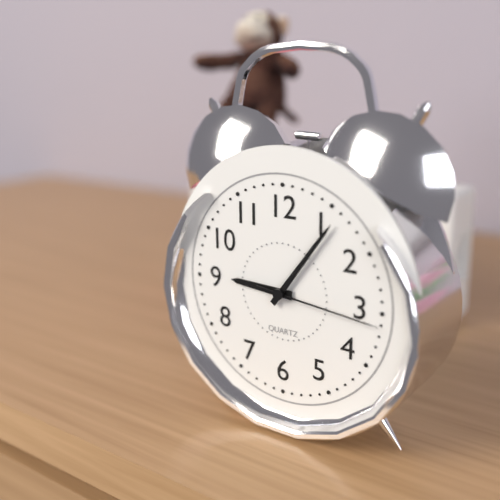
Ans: 9:06:16
